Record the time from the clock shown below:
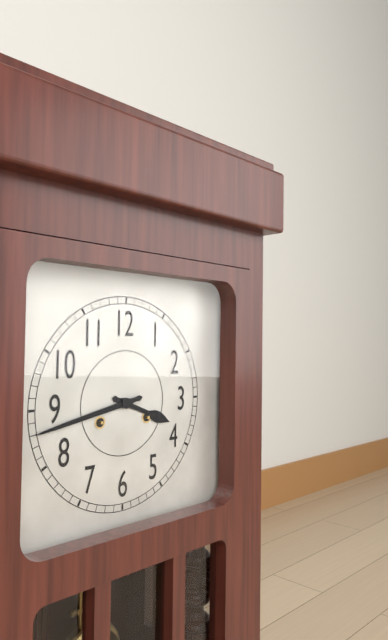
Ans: 3:43
